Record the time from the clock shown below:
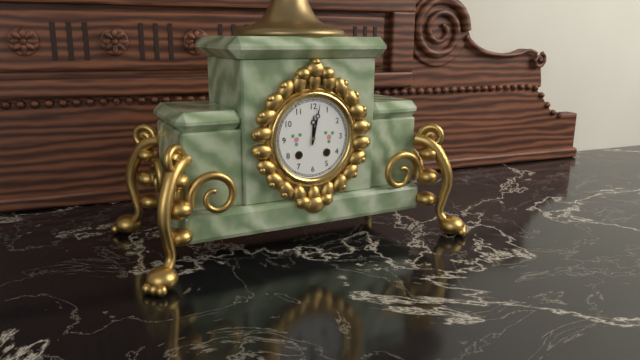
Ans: 12:02
